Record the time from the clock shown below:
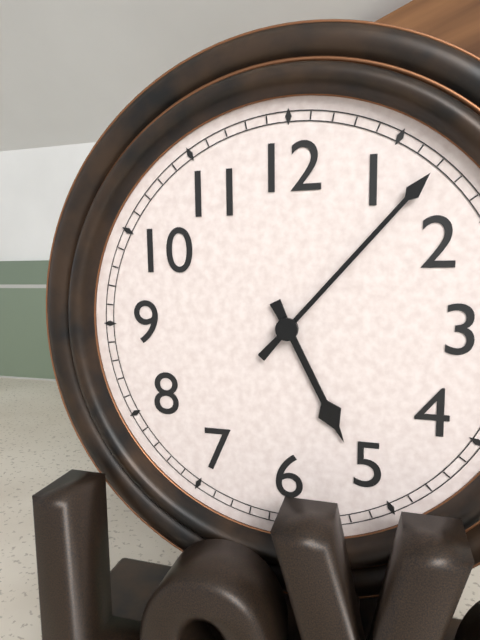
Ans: 5:07
